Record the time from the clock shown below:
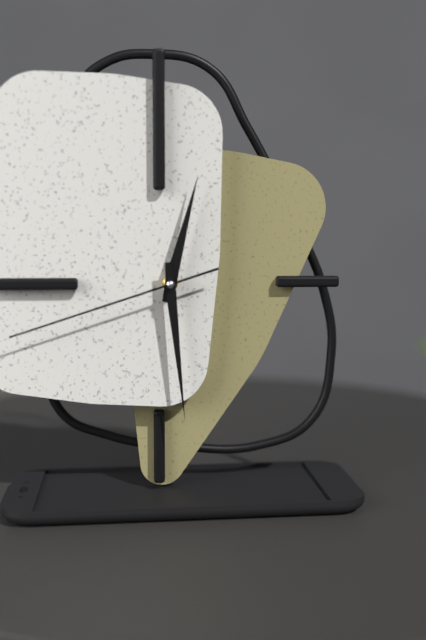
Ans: 12:29:42
